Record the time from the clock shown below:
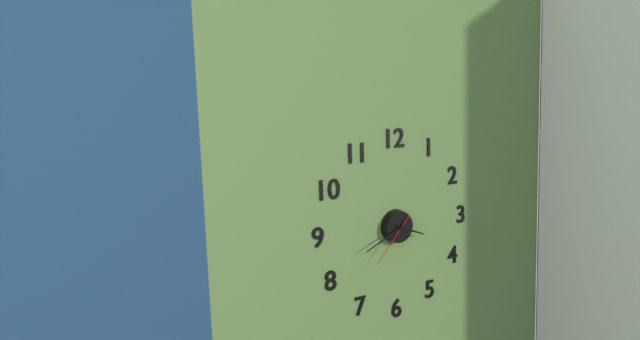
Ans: 3:41:37
